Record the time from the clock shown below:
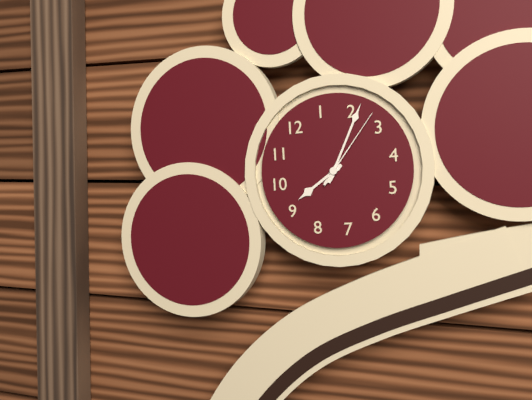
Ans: 9:11:13
